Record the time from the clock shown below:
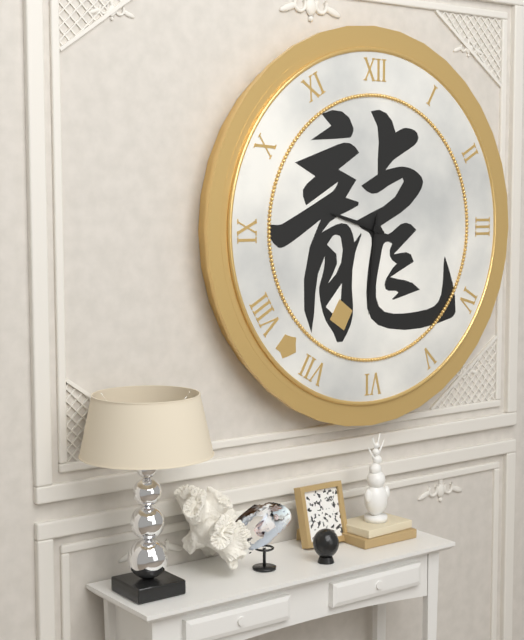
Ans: 9:31
